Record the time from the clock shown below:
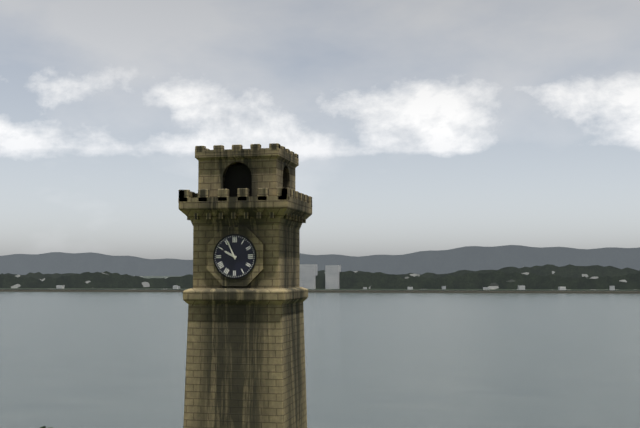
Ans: 9:56
